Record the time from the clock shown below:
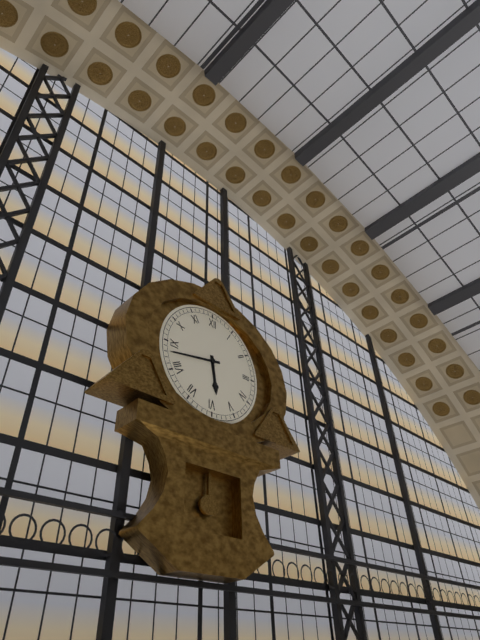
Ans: 5:43
